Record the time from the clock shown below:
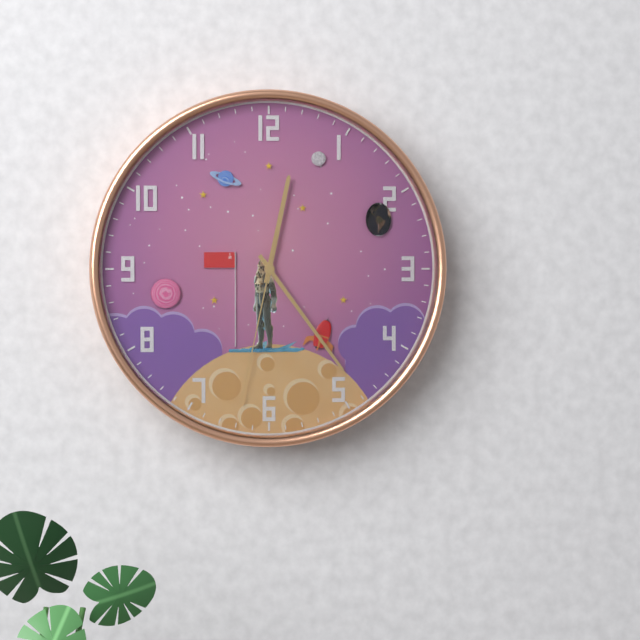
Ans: 12:24:32
